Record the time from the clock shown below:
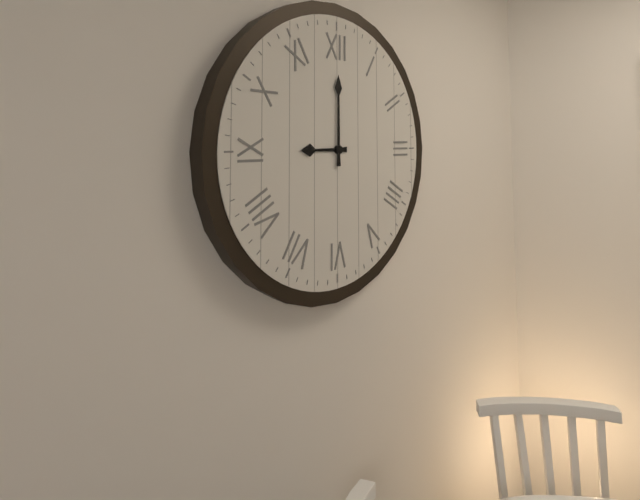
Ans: 9:00
